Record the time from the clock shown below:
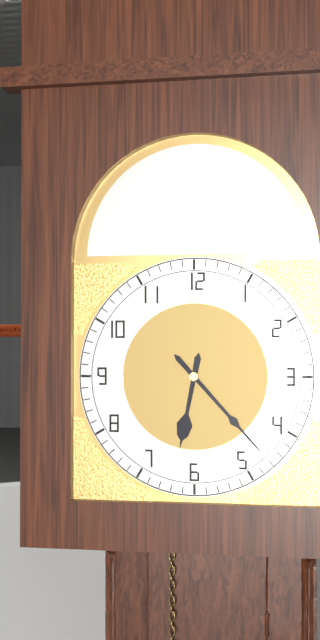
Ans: 6:23
